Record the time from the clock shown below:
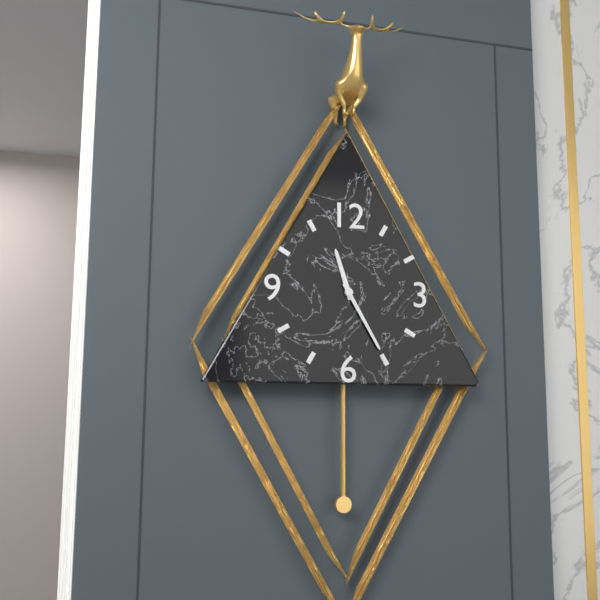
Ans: 11:25
